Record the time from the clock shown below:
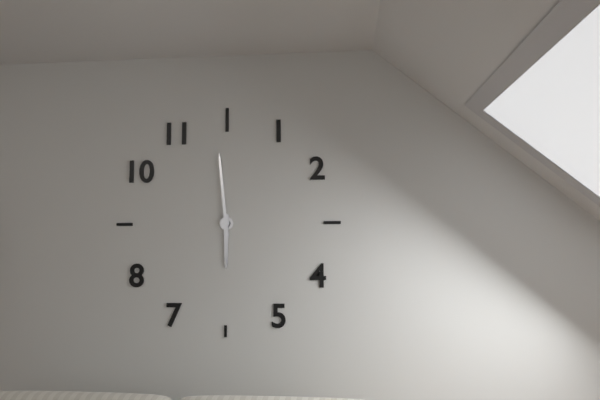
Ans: 5:59
